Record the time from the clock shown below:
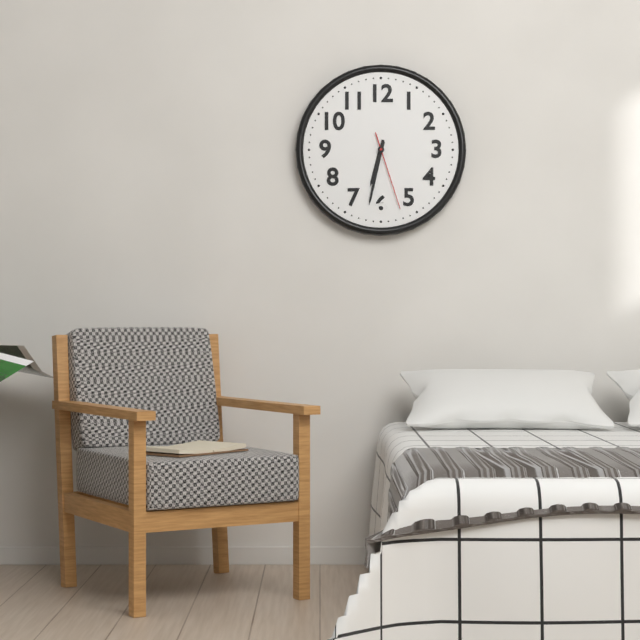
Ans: 6:32:27
